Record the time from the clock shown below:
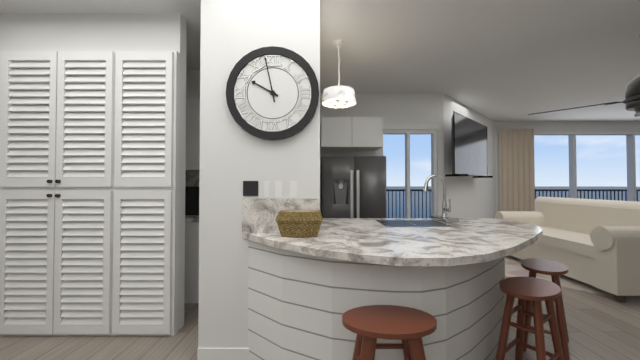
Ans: 9:58
